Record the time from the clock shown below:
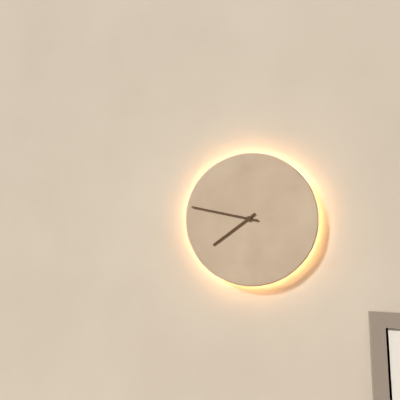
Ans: 7:47
